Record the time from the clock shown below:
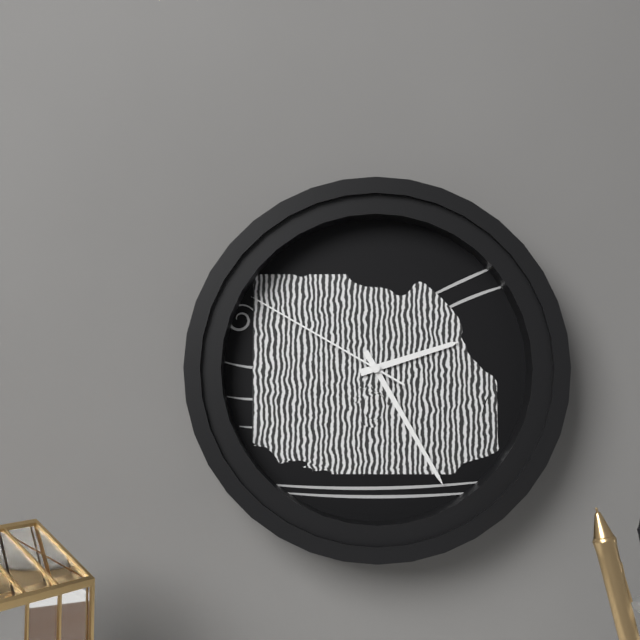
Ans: 2:25:50
